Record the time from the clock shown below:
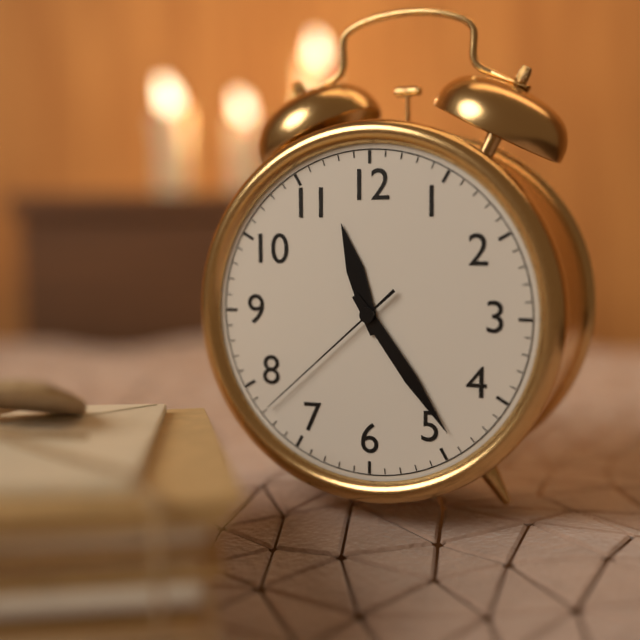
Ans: 11:24:38
